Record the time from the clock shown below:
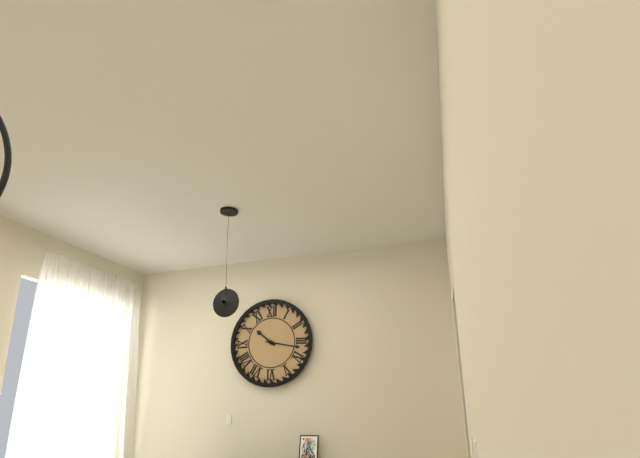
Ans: 10:17
